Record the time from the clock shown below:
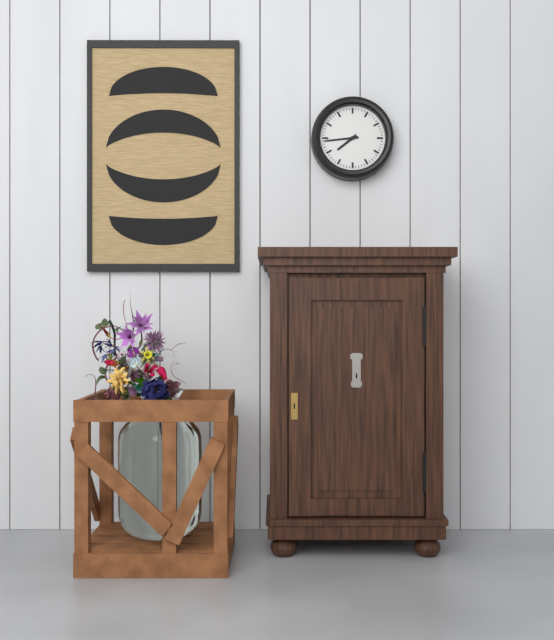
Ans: 7:44
